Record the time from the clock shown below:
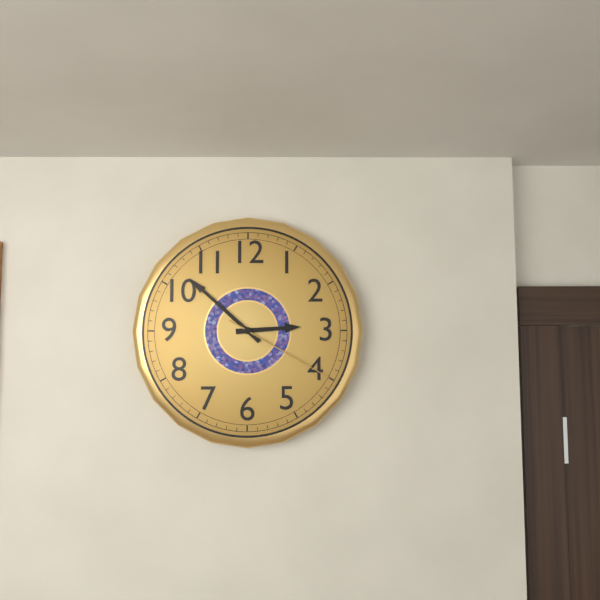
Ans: 2:52:20
